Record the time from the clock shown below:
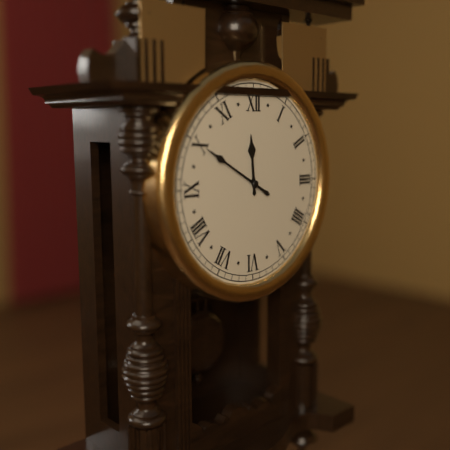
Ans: 11:50
